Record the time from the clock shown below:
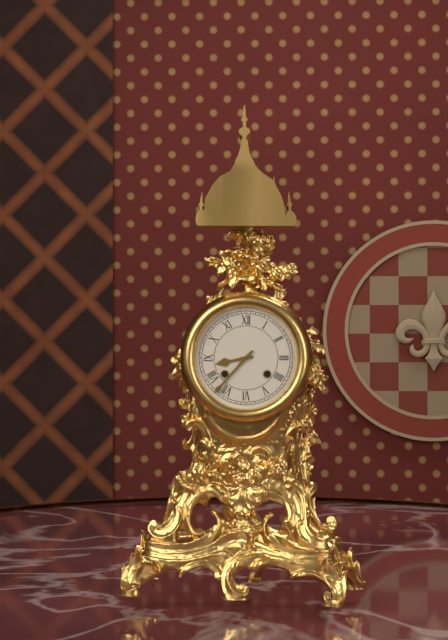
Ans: 8:37
